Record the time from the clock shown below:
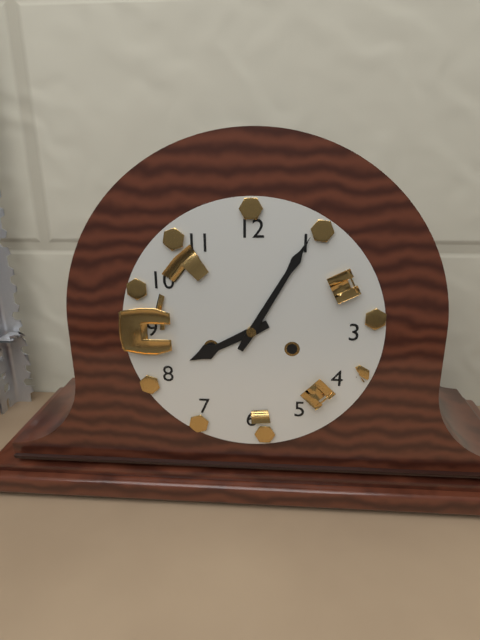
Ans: 8:05
